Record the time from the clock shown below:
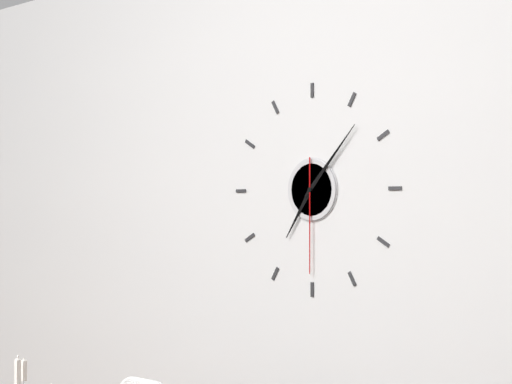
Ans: 7:07:30
